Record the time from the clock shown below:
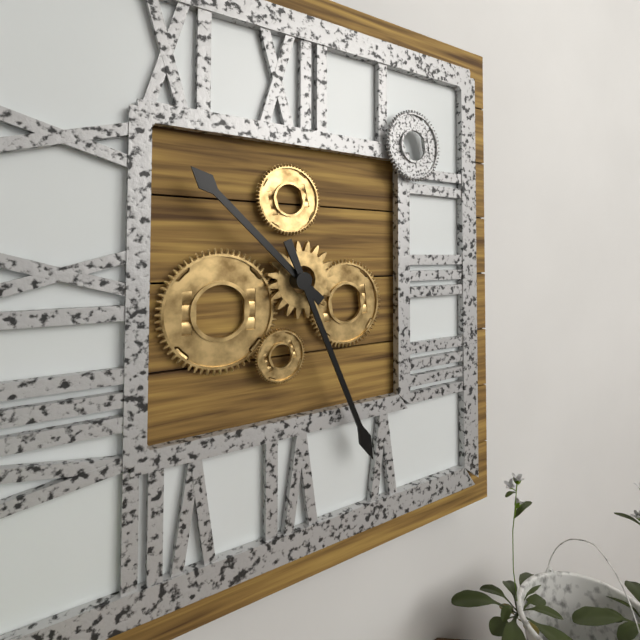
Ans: 10:26
